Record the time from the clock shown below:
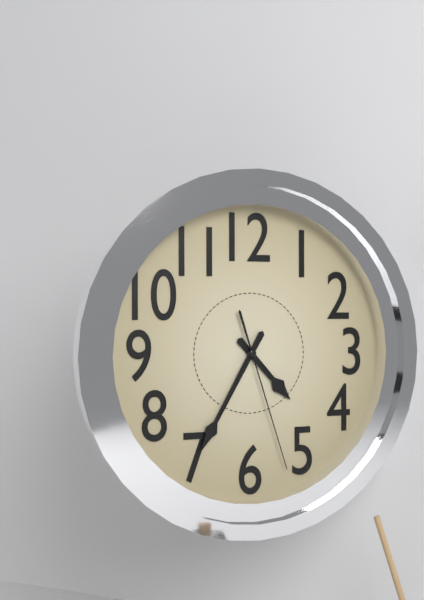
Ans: 4:35:27
